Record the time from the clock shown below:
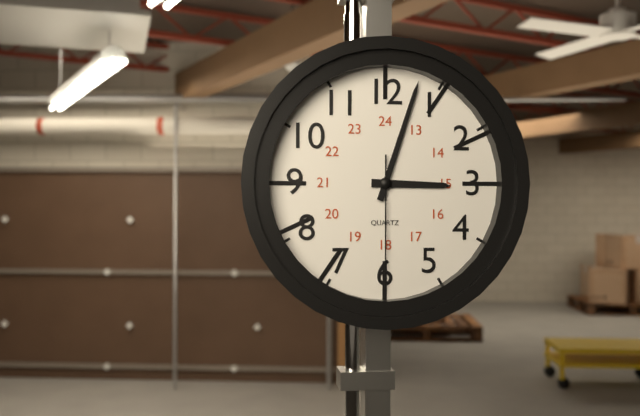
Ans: 3:03:30
